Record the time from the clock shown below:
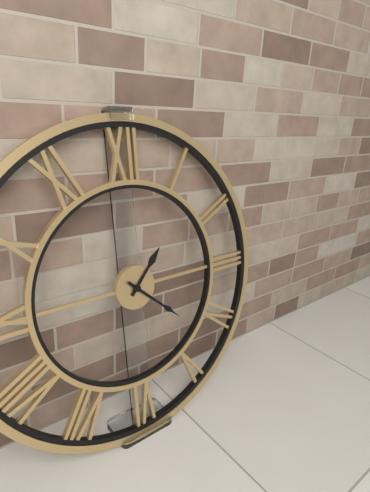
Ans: 1:22
